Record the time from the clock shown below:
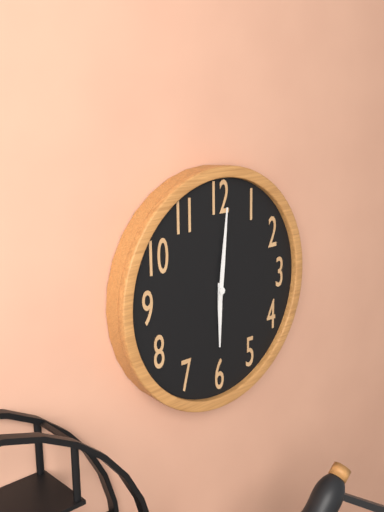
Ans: 6:01
